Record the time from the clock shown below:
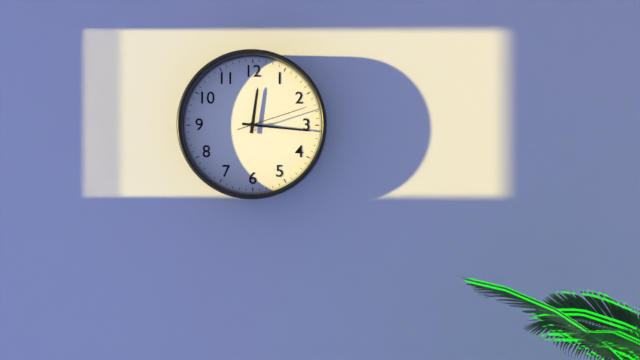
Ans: 12:16:12
